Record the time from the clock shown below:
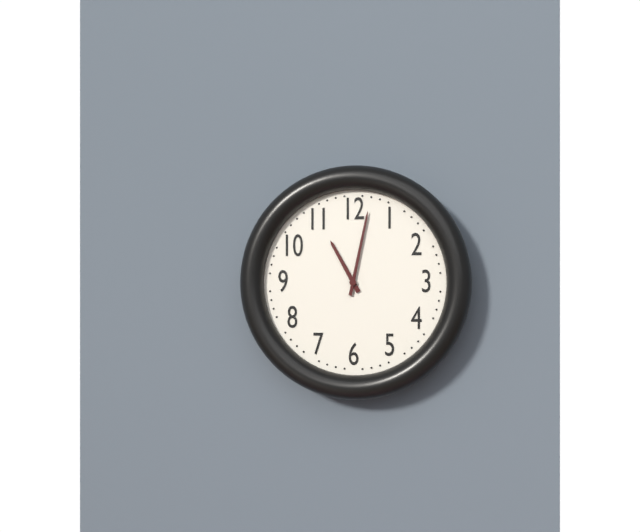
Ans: 11:02
